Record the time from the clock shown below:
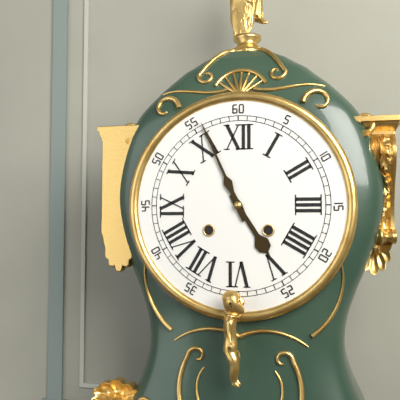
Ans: 4:56
